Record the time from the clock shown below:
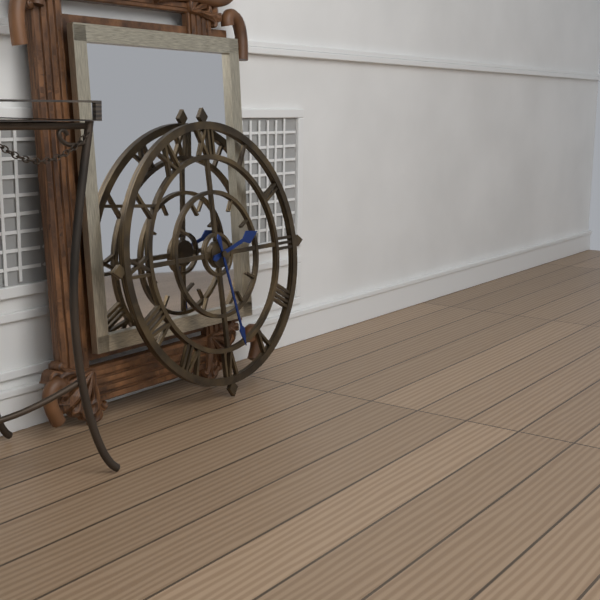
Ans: 2:28
